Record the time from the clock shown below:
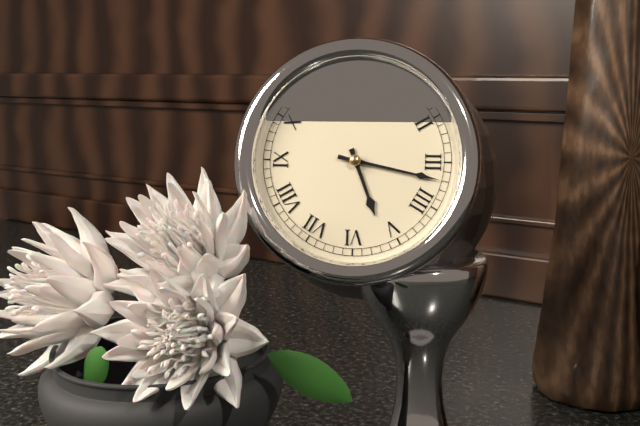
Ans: 5:17
